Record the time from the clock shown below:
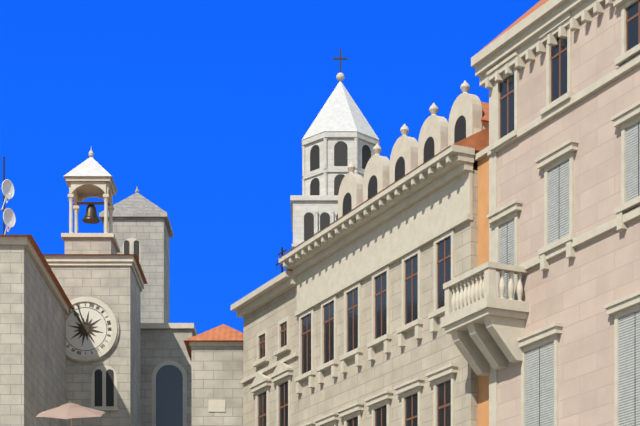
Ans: 10:57
